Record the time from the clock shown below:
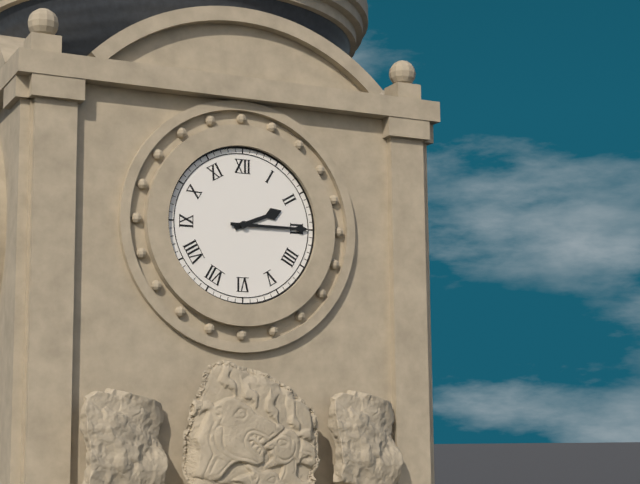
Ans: 2:15
